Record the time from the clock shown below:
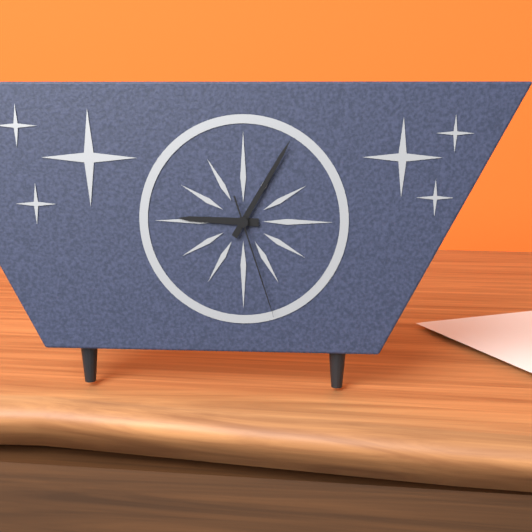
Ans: 9:05:27
